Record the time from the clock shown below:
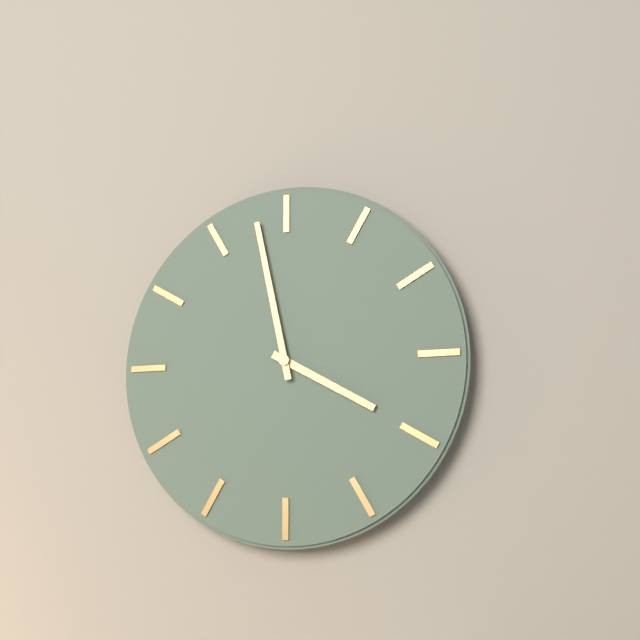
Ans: 3:58
